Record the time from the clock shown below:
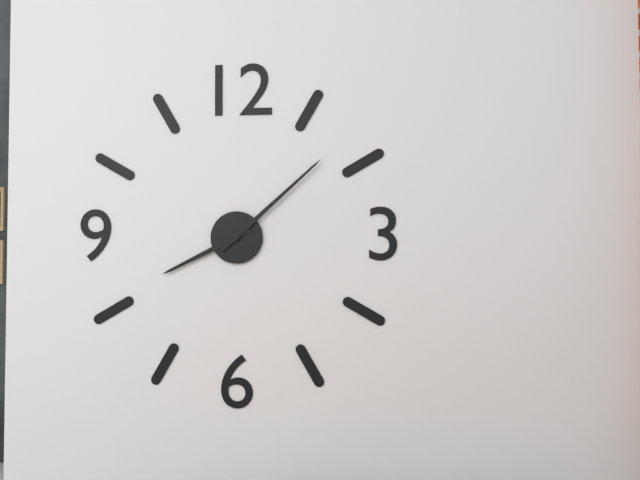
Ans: 8:08
